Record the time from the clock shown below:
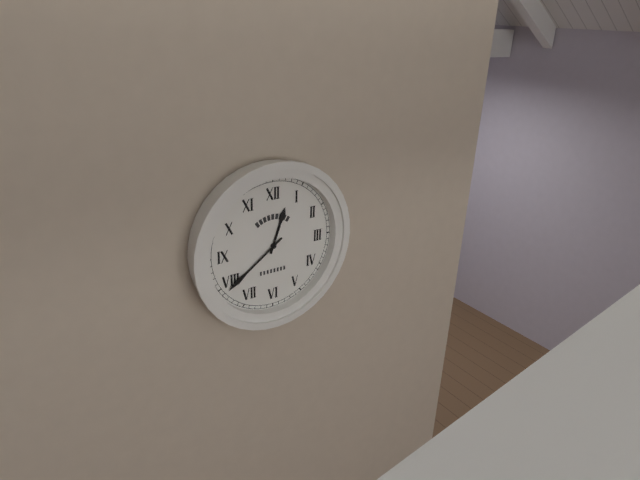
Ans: 12:39
